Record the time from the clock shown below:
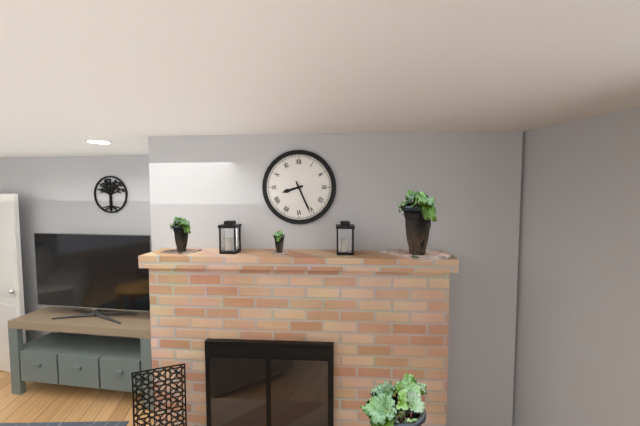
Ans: 8:26
